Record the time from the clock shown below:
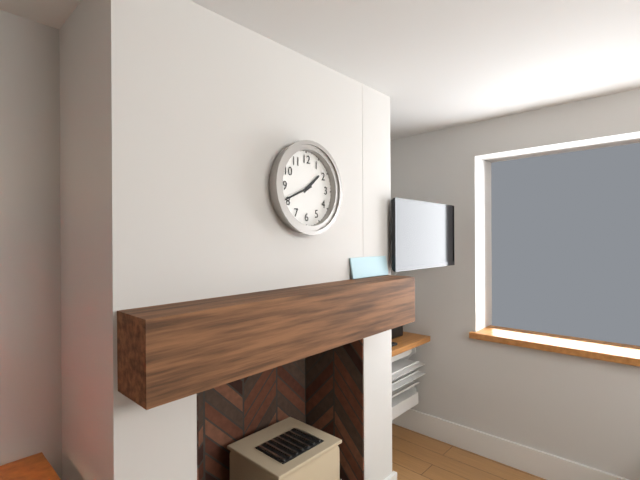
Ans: 1:41
